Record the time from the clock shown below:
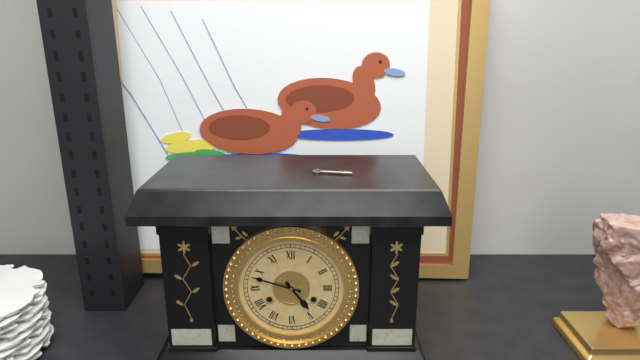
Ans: 4:48
